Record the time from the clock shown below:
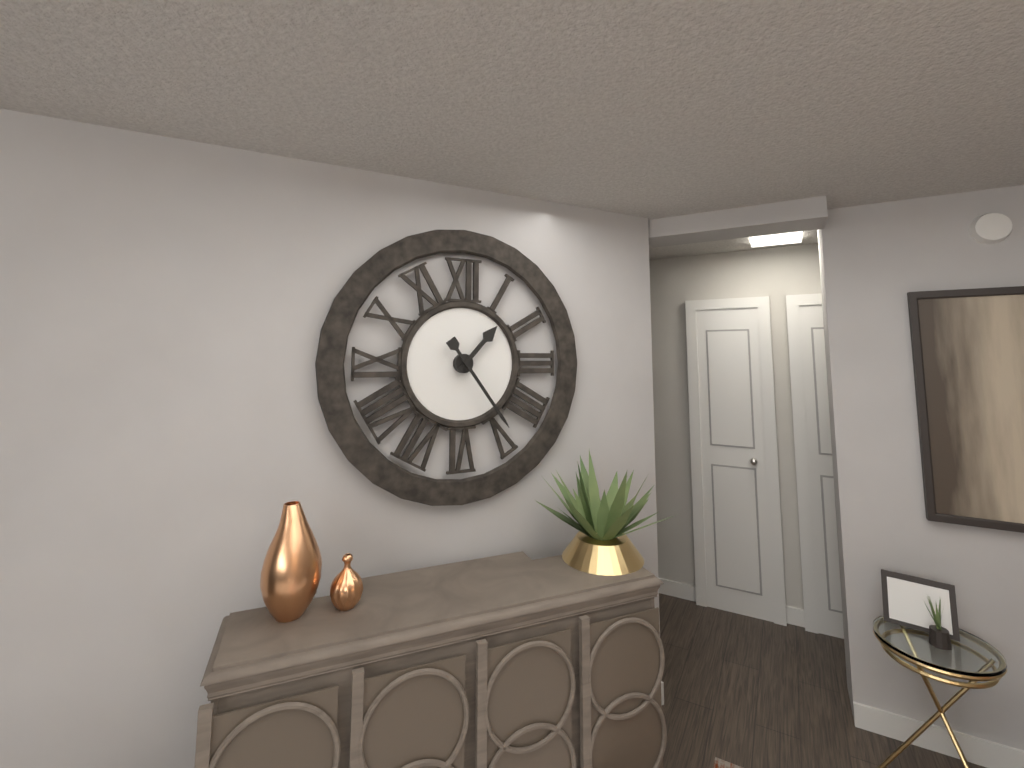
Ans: 1:24
